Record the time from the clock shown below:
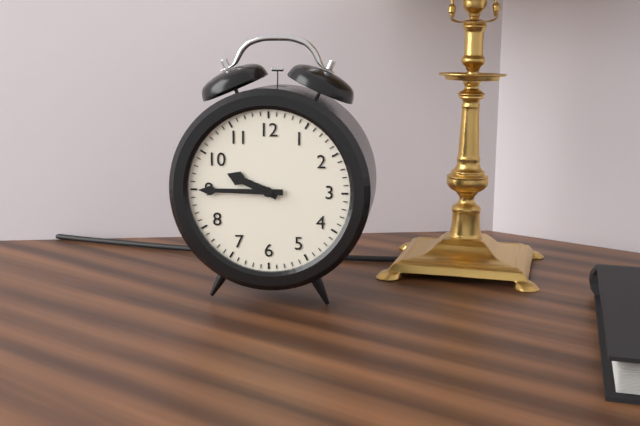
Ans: 9:45
